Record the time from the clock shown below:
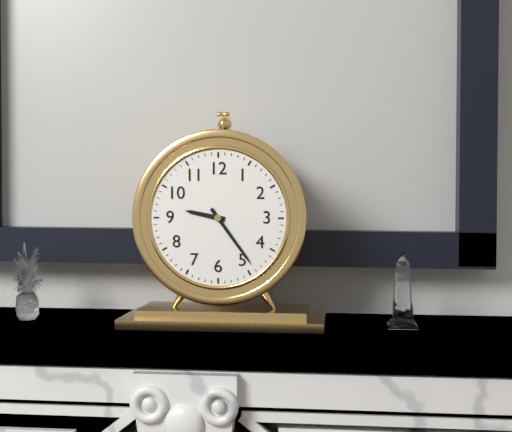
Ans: 9:24
